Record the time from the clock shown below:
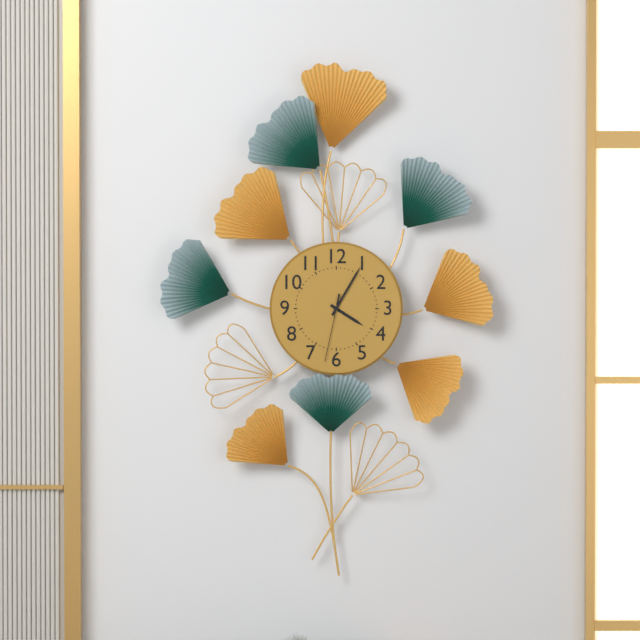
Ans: 4:05:32
